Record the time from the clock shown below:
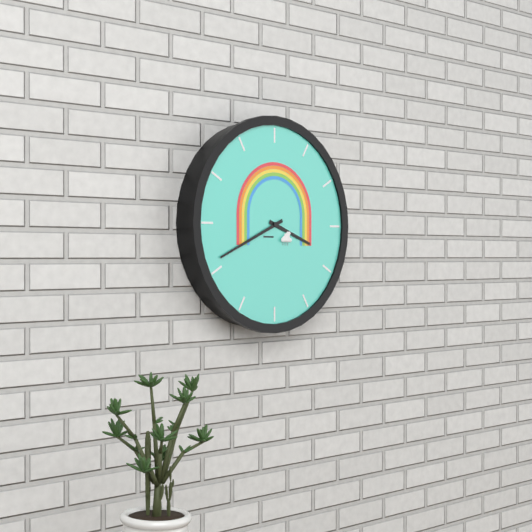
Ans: 3:41
